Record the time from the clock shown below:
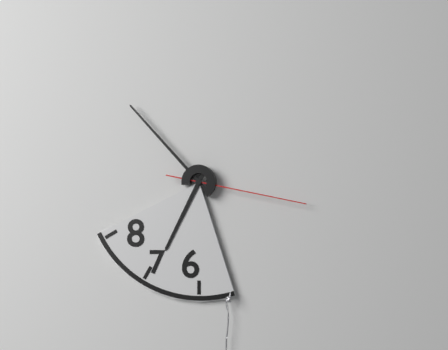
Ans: 6:53:17
